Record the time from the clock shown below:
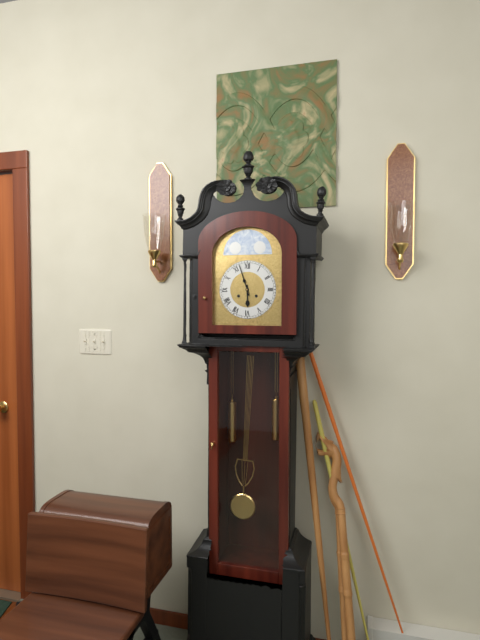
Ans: 5:57
